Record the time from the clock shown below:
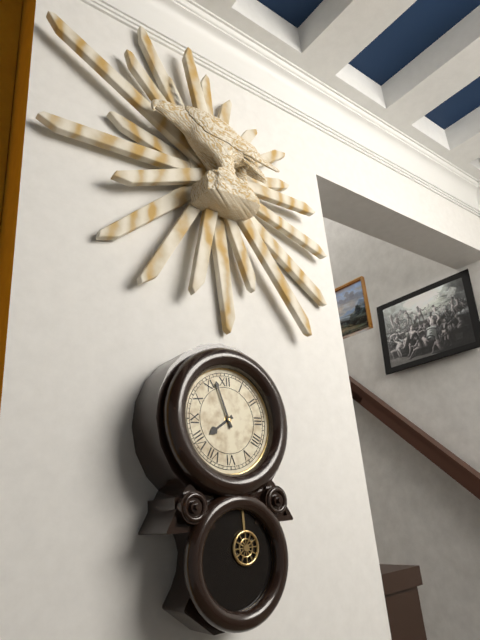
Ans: 7:57
